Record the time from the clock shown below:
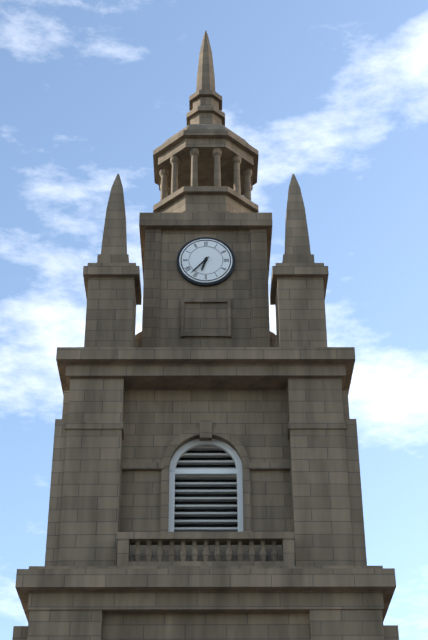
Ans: 6:37
